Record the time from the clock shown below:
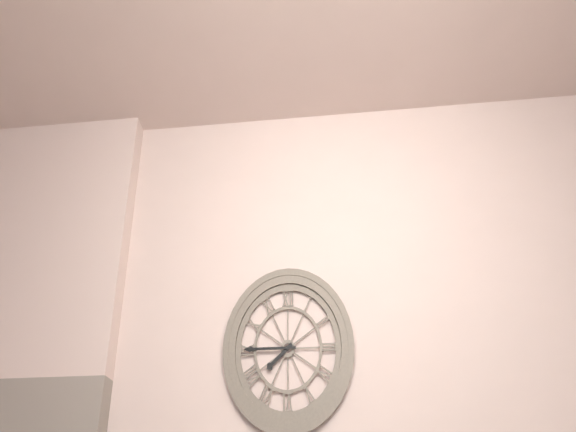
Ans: 7:45
